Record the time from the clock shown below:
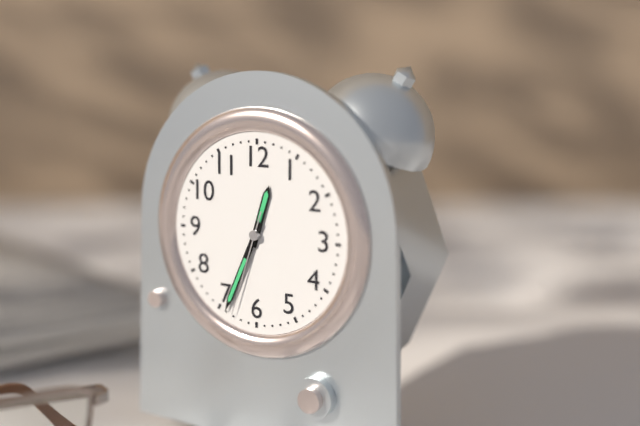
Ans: 12:34:33
